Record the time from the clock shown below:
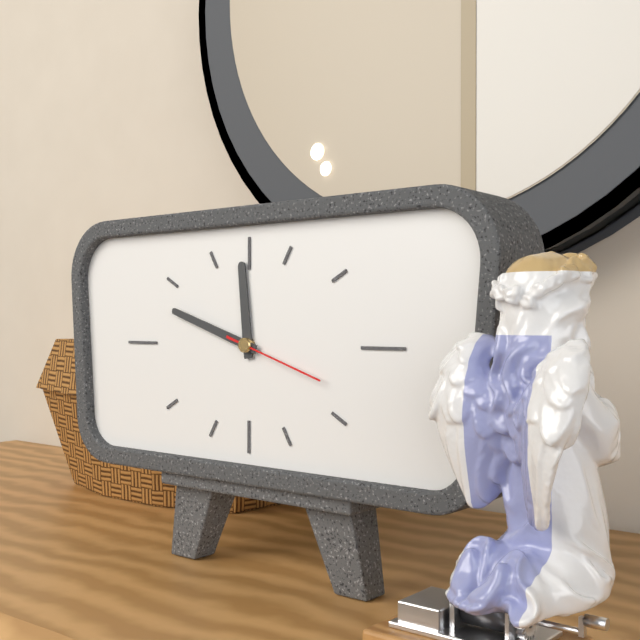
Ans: 11:48:18
